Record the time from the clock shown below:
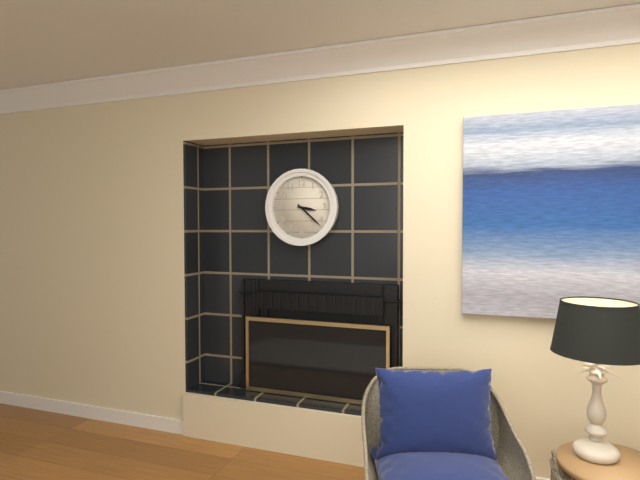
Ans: 3:22
